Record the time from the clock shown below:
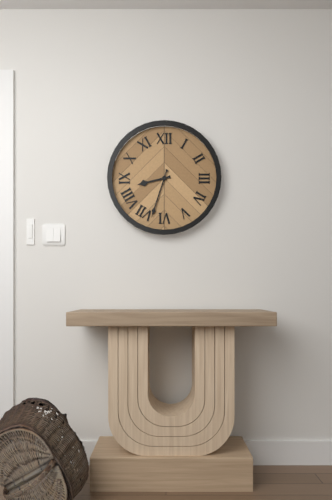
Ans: 8:33
